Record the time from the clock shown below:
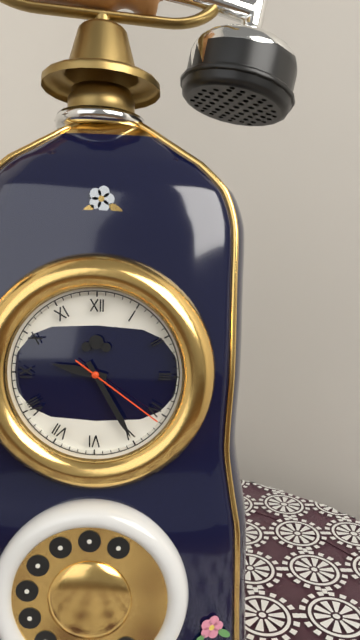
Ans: 9:25:21
